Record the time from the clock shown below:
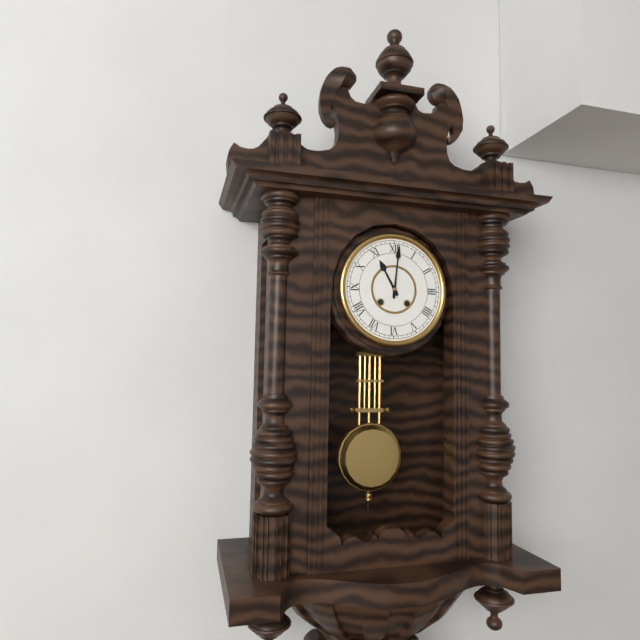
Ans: 11:01
